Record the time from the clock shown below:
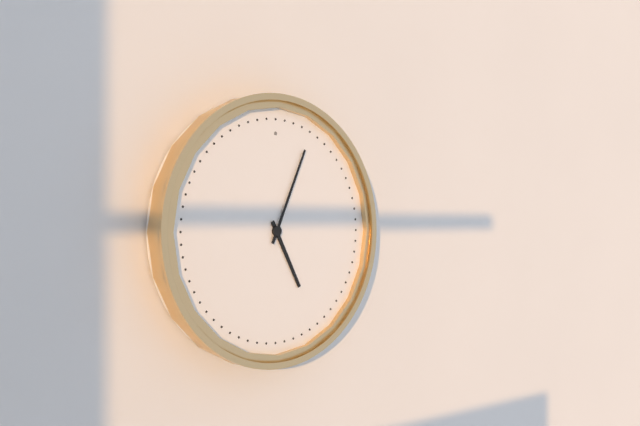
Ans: 5:04
